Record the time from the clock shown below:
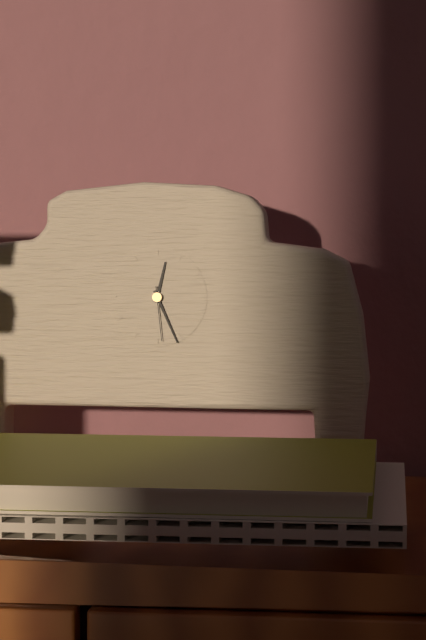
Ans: 12:26:29
